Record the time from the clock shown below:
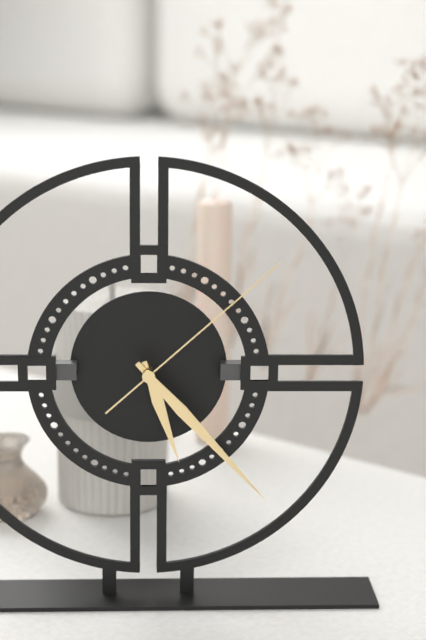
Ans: 5:23:08
